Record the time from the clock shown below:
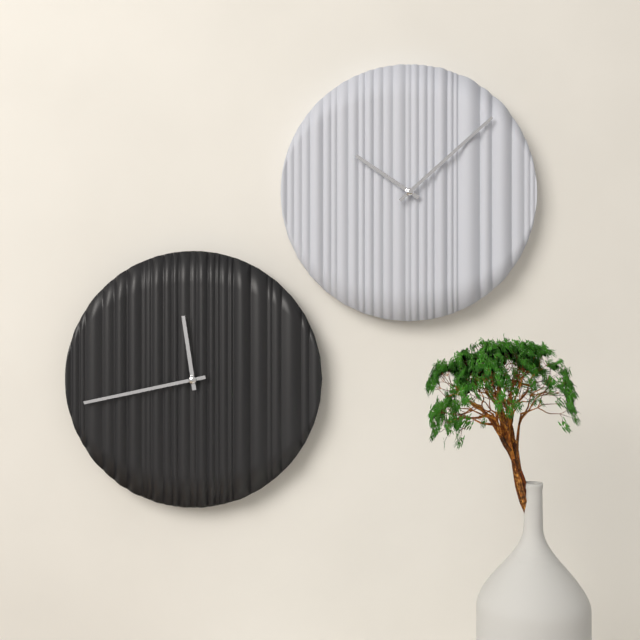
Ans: 11:43
